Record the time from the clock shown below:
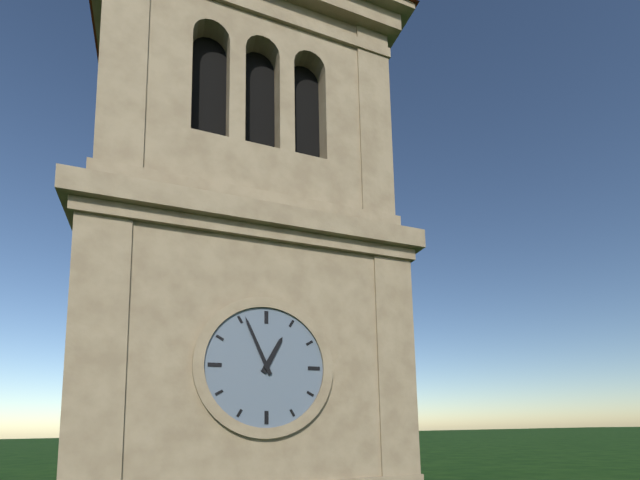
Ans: 12:56
